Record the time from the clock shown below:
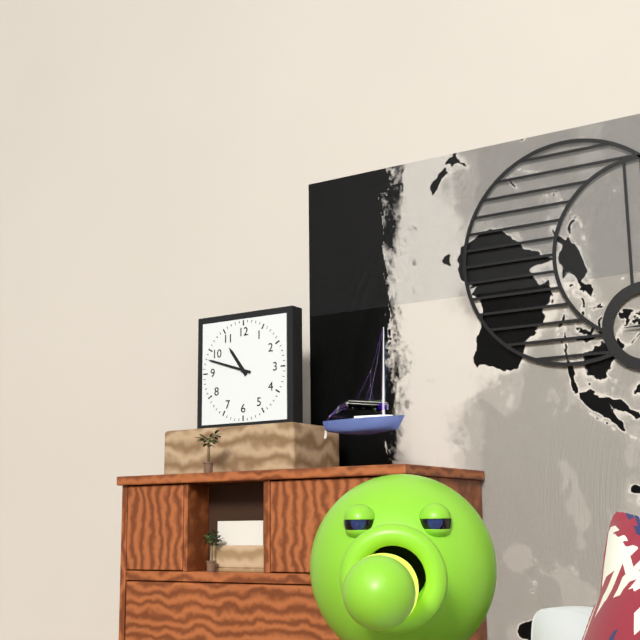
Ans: 10:48
